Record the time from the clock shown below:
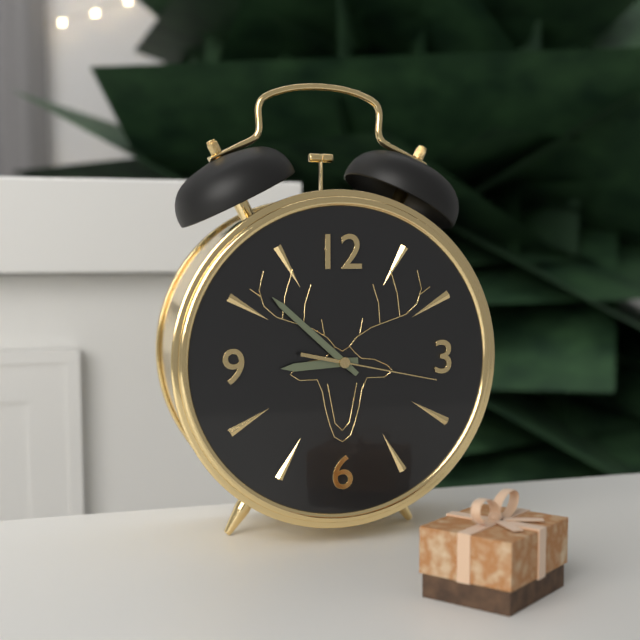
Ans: 8:52:17
